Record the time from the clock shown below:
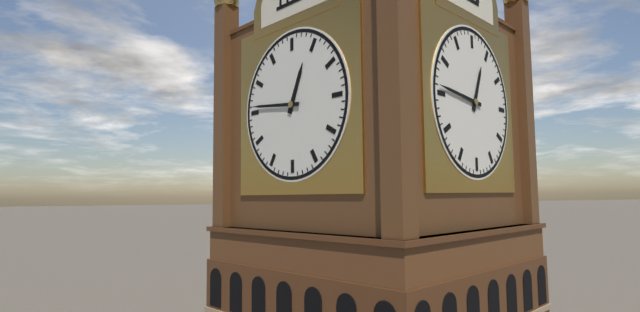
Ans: 12:46
